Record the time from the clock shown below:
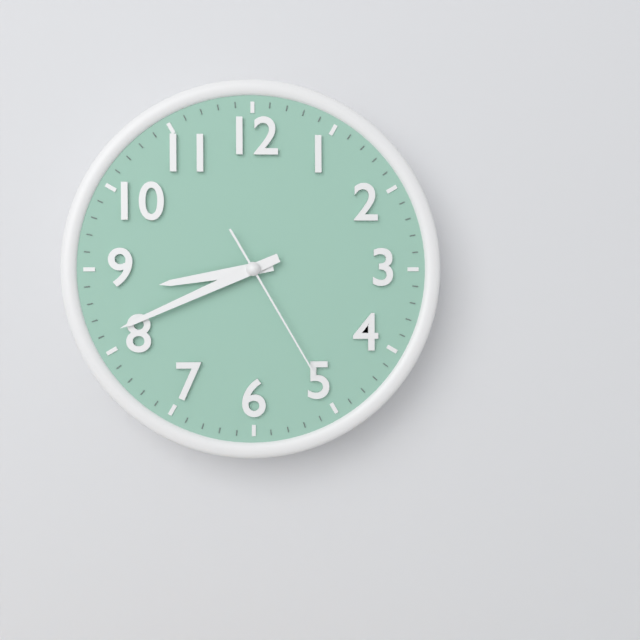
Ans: 8:41:25
